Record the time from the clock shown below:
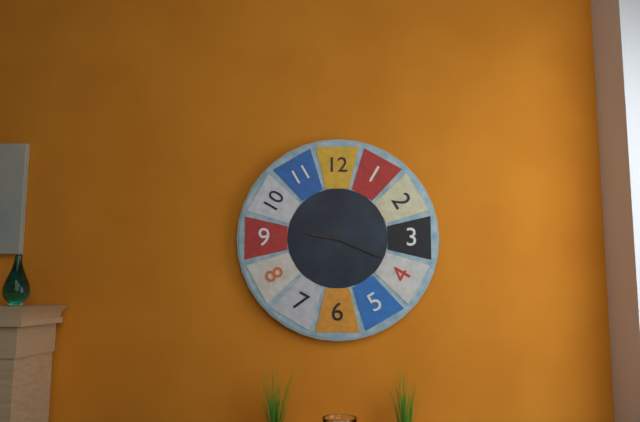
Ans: 9:19
